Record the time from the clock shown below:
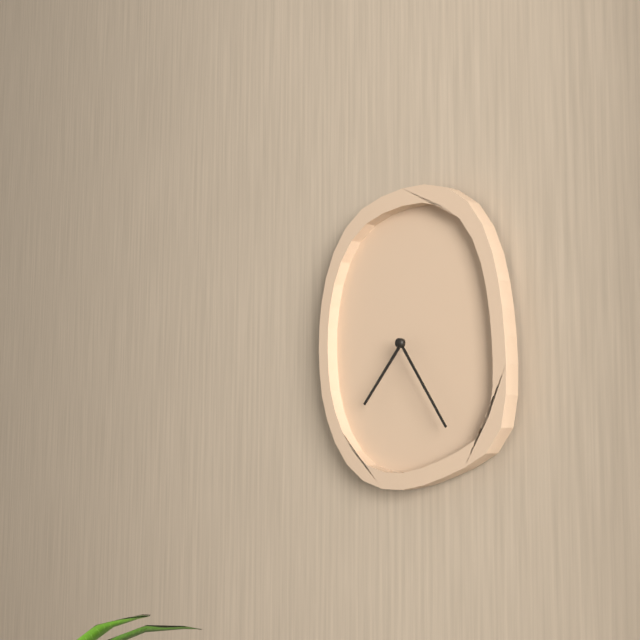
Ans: 7:24
